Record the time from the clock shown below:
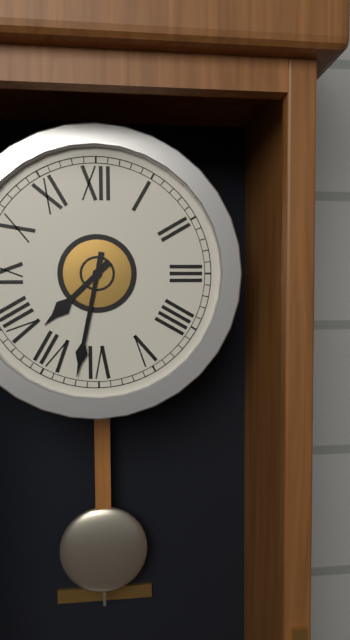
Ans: 7:32
